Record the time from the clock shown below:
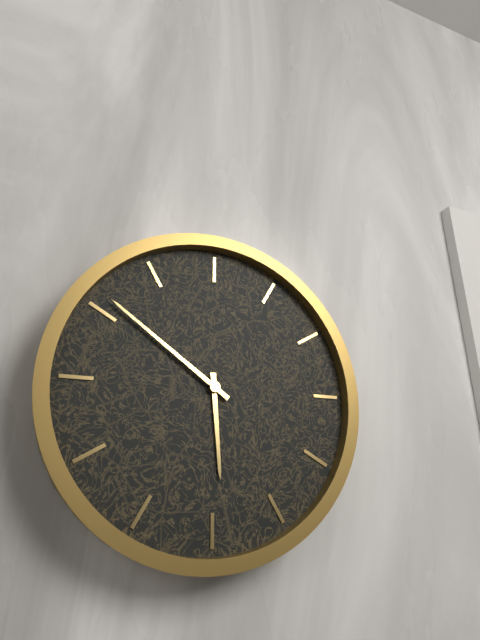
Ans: 5:51
